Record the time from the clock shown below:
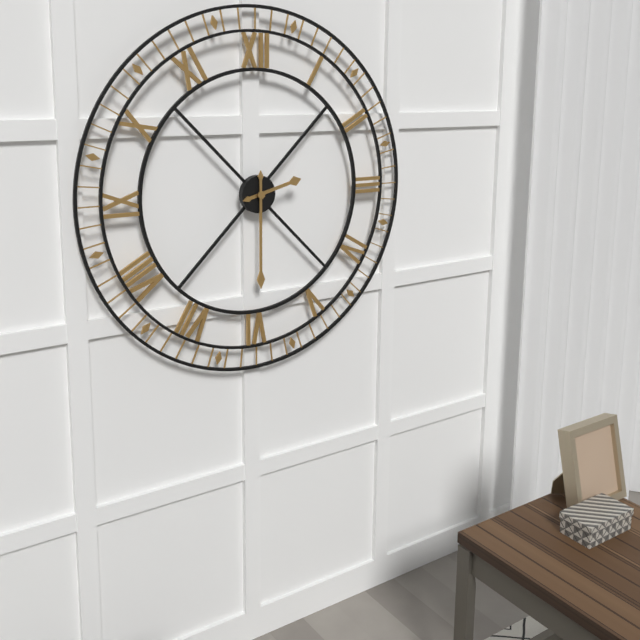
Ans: 2:30
